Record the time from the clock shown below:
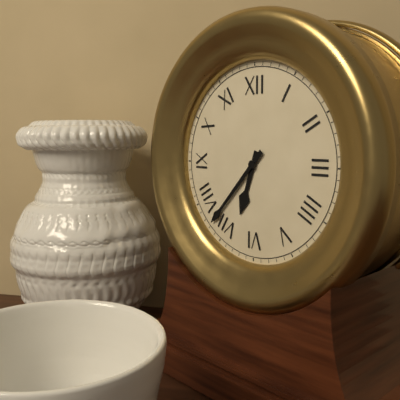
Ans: 6:37
